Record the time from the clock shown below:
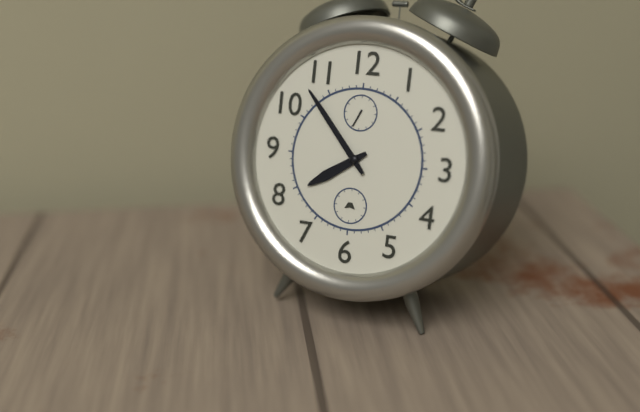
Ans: 7:53
